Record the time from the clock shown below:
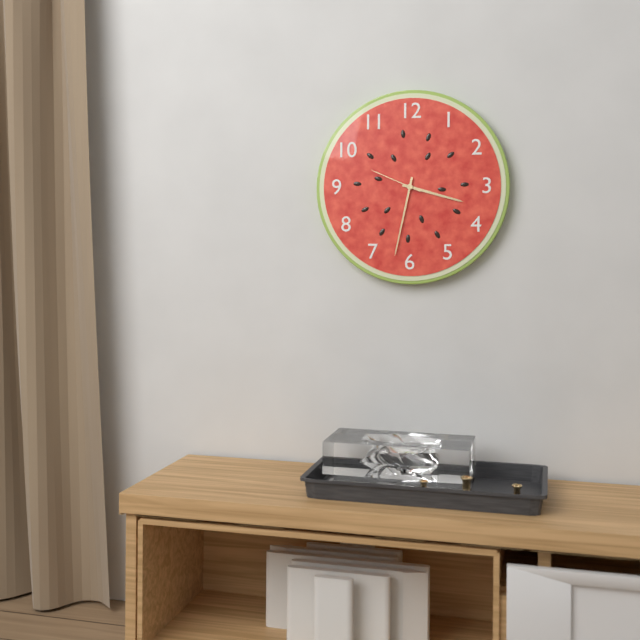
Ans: 3:32:49
